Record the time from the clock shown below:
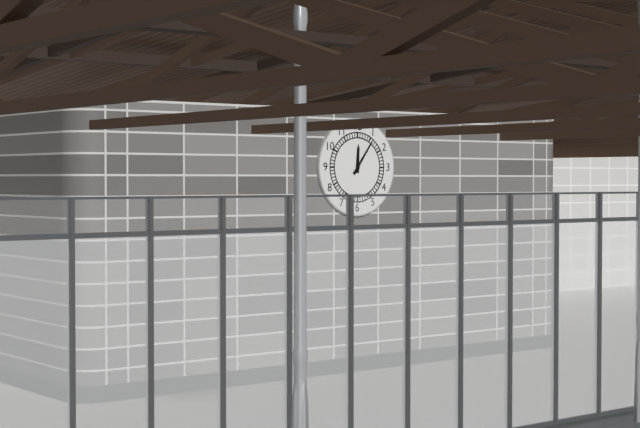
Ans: 12:06
